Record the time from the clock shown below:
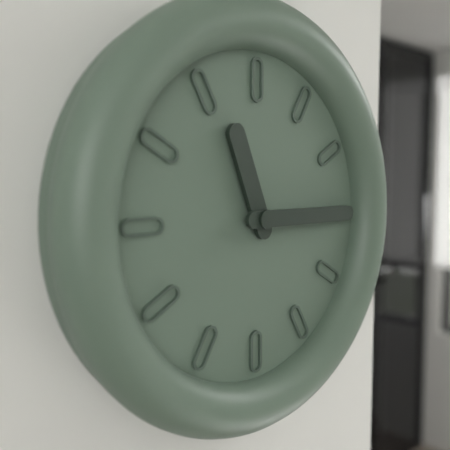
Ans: 11:15
